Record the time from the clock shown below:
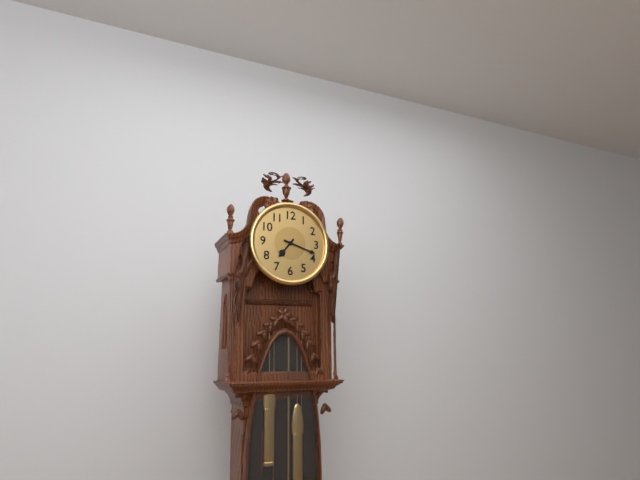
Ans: 7:18
